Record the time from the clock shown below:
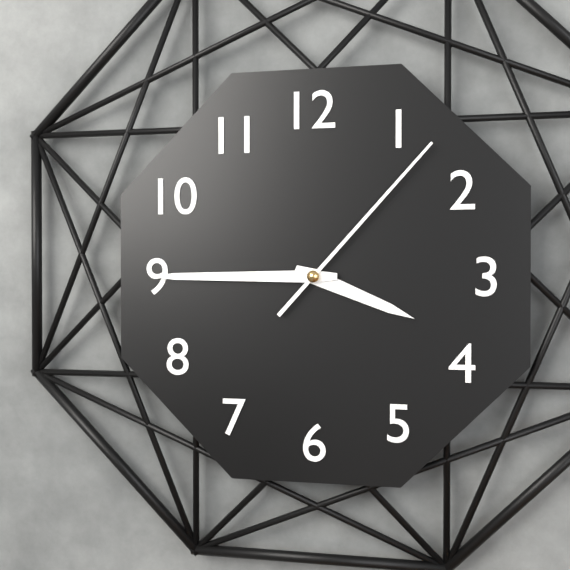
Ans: 3:45:07
